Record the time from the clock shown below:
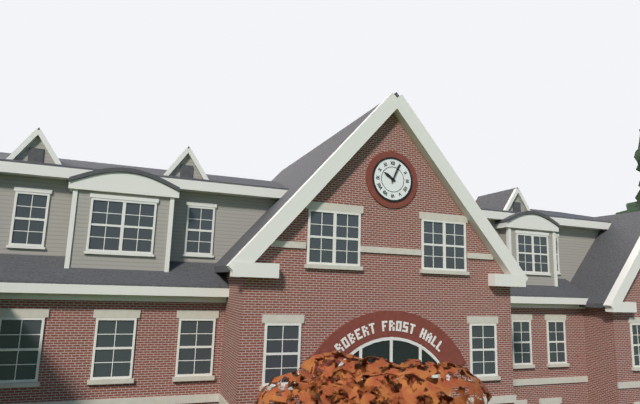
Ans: 10:04
